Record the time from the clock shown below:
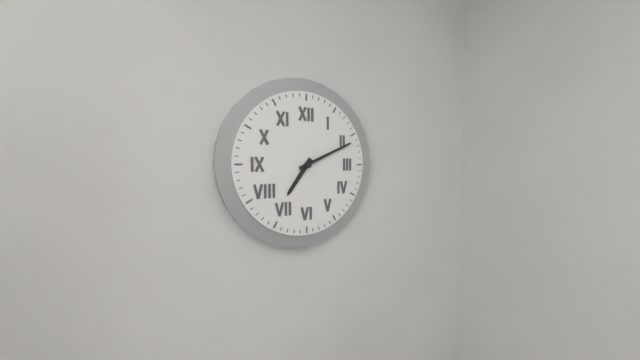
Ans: 7:11
